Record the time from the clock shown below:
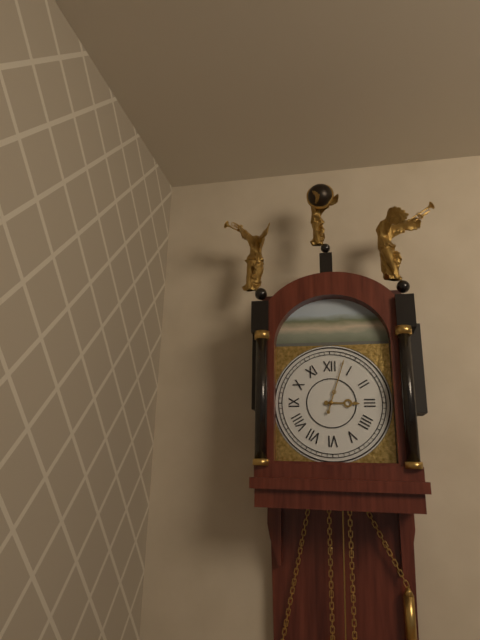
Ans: 3:03
